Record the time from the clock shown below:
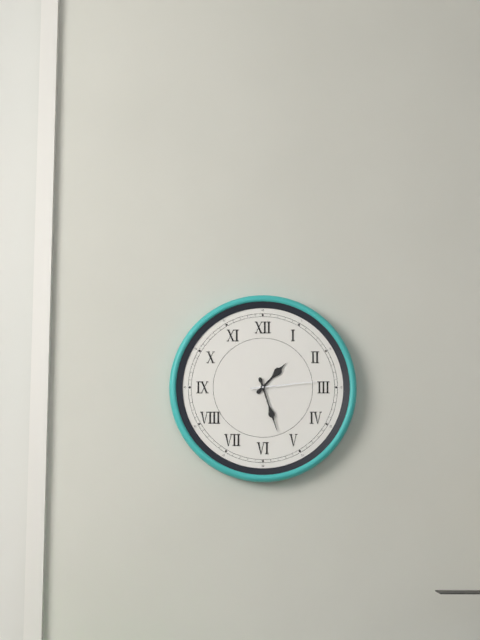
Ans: 1:27:14
